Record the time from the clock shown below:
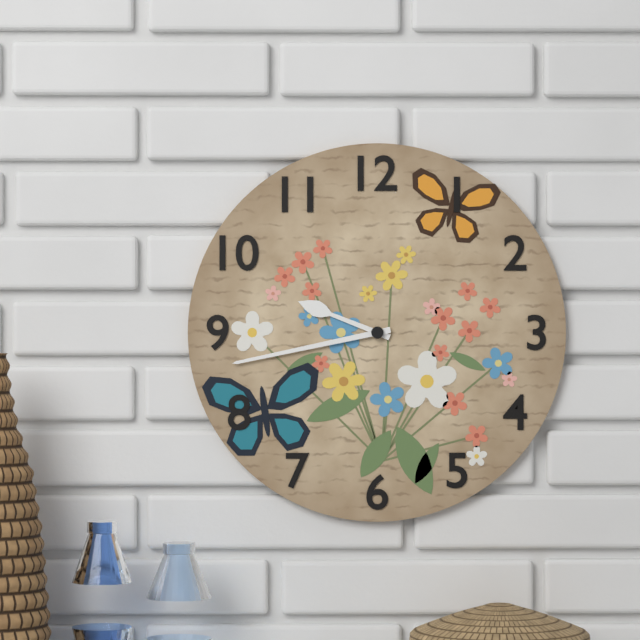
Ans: 9:43
